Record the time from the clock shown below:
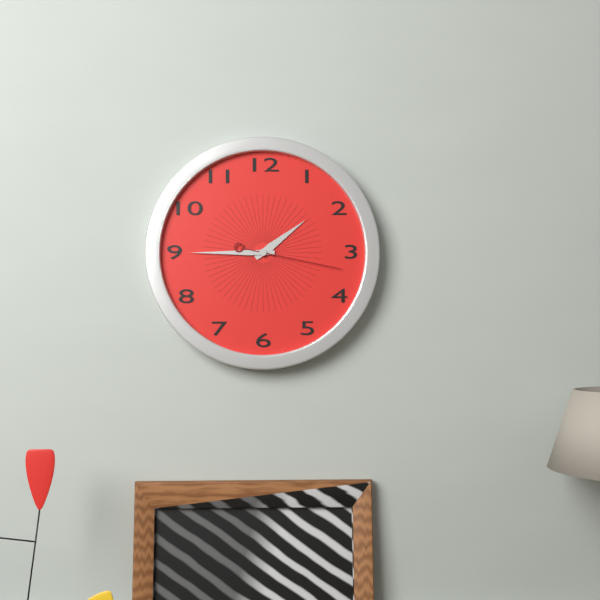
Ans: 1:45:17
